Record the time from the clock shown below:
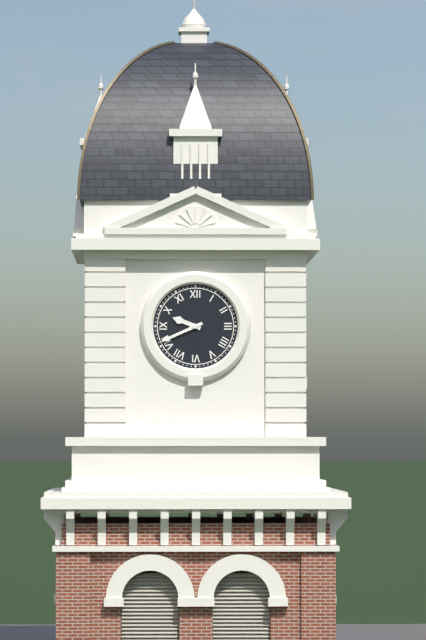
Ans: 9:41
